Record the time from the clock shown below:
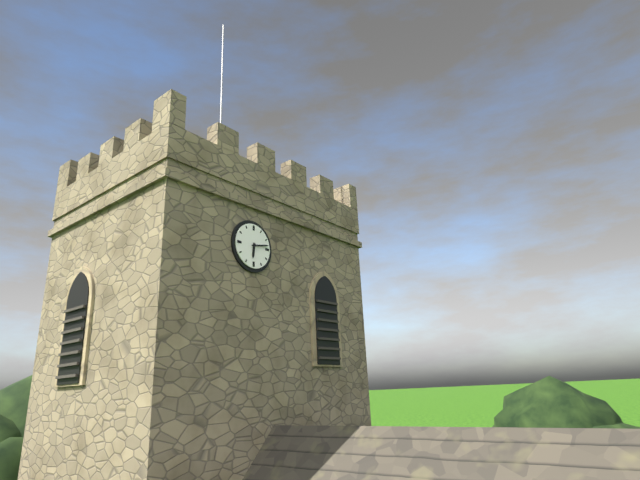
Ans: 6:13
